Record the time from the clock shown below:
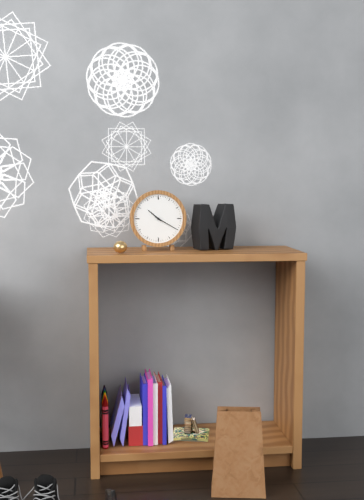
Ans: 10:20
